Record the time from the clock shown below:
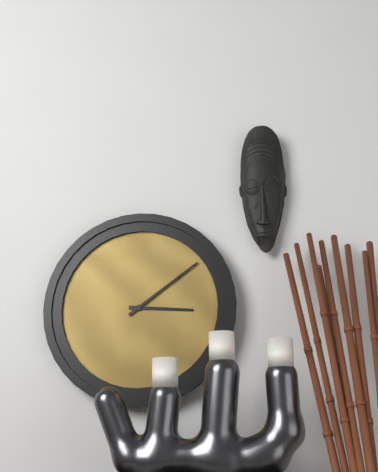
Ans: 3:09
